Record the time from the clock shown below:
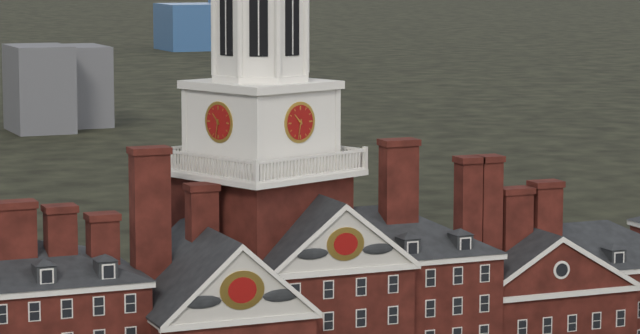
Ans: 10:32
